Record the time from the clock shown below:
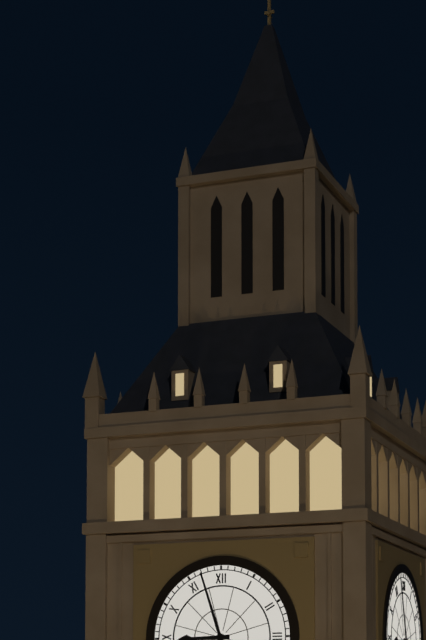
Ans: 8:57
